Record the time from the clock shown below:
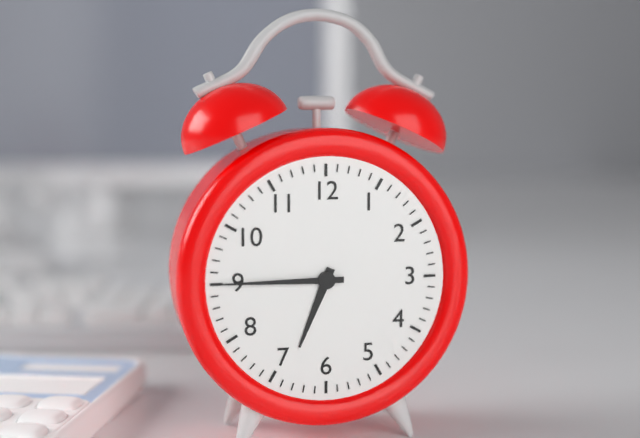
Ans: 6:45
